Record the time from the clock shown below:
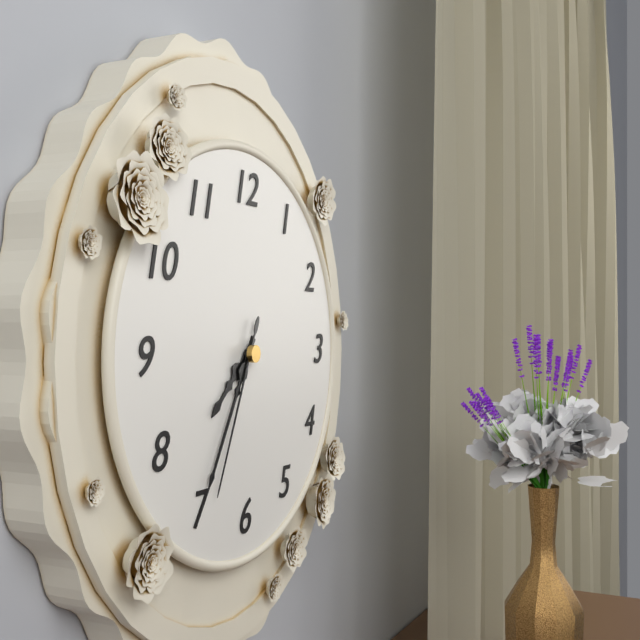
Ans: 7:35:34
